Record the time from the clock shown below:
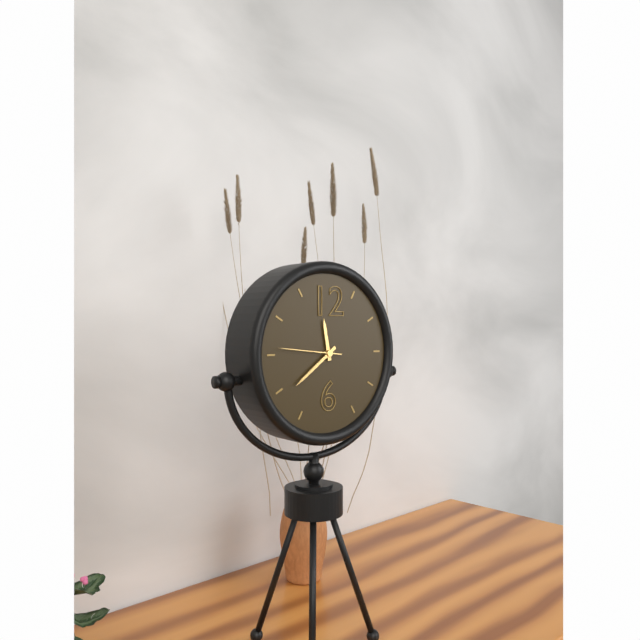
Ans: 11:39:46
